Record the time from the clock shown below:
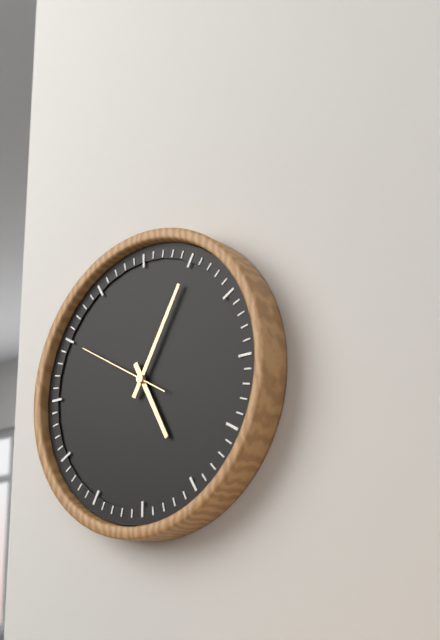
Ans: 5:05:50
